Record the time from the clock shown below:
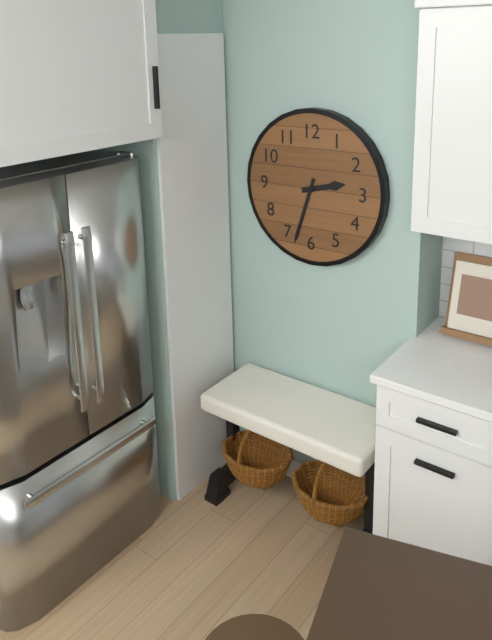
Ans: 2:33
